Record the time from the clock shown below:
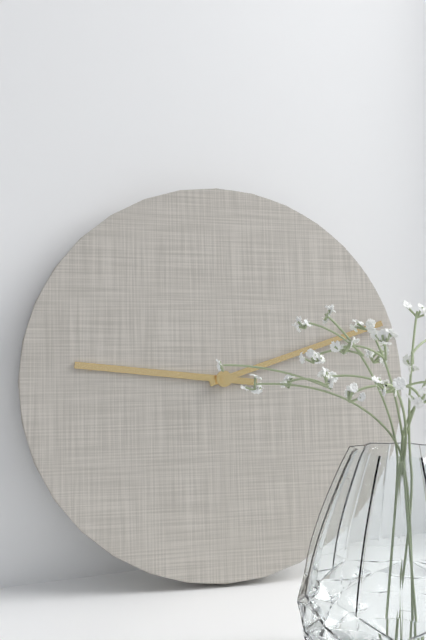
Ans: 9:12
